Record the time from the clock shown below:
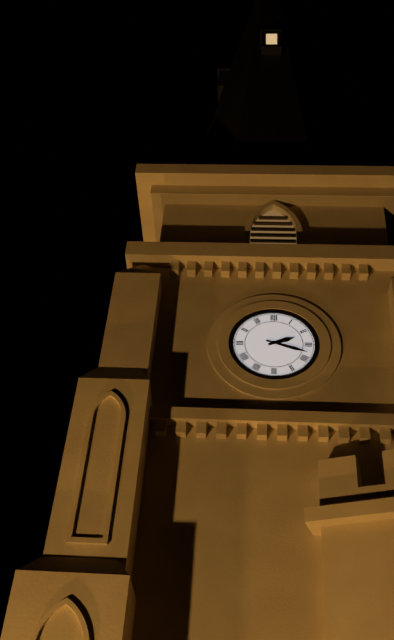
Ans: 2:18
